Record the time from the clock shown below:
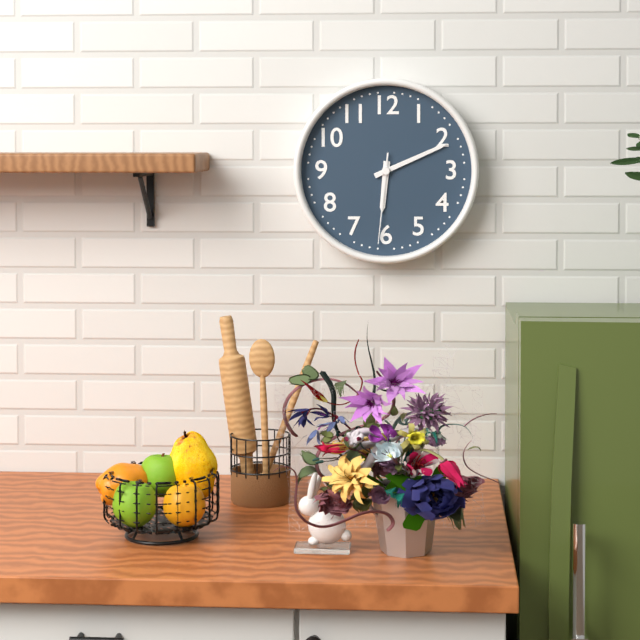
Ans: 6:11:31
